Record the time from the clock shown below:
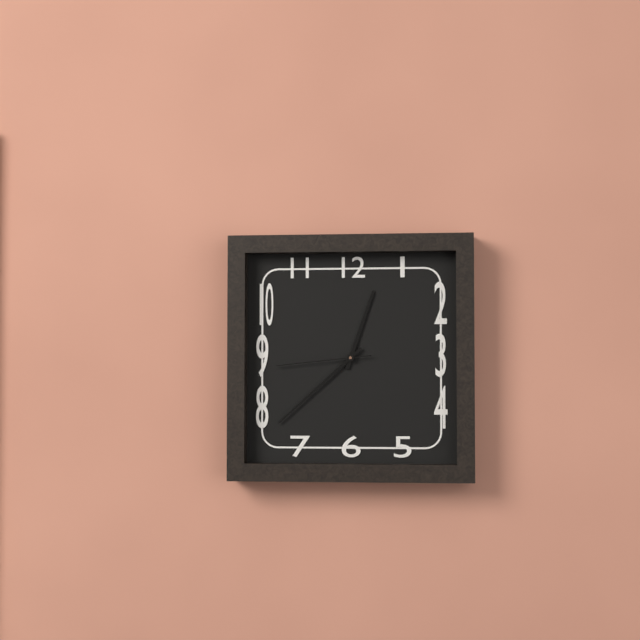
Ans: 12:38:44
